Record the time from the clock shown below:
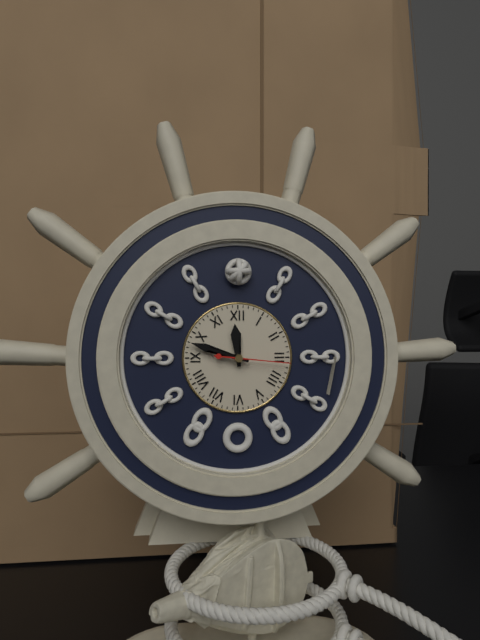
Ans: 11:48:16
